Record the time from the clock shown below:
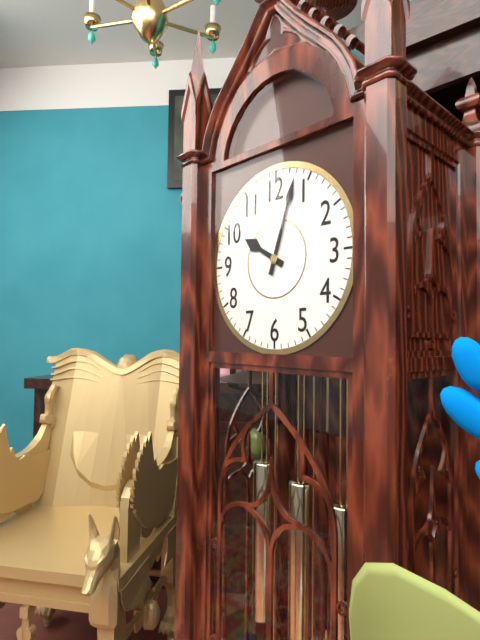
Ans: 10:03
